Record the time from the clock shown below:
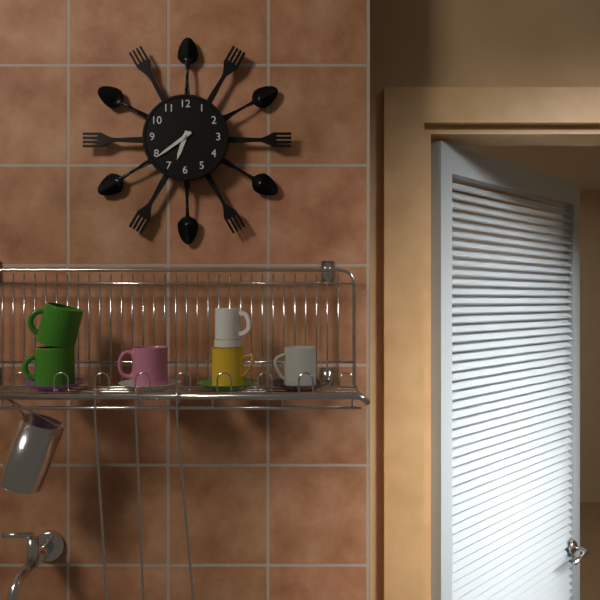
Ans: 6:39
